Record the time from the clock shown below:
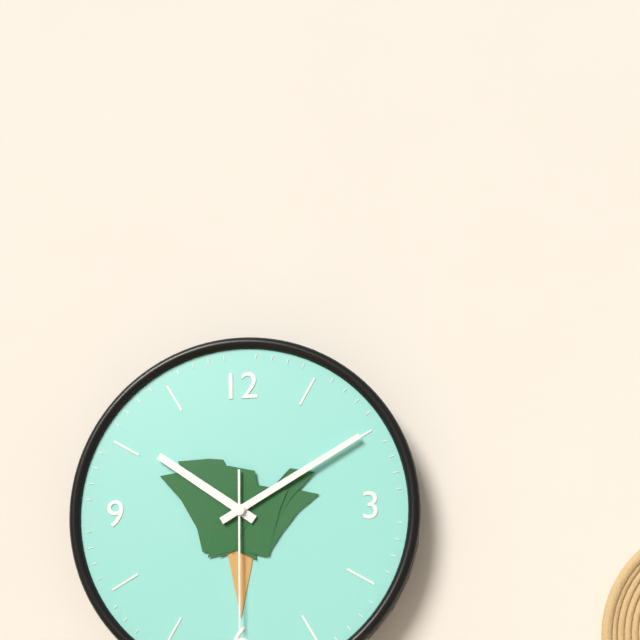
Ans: 10:10:30
